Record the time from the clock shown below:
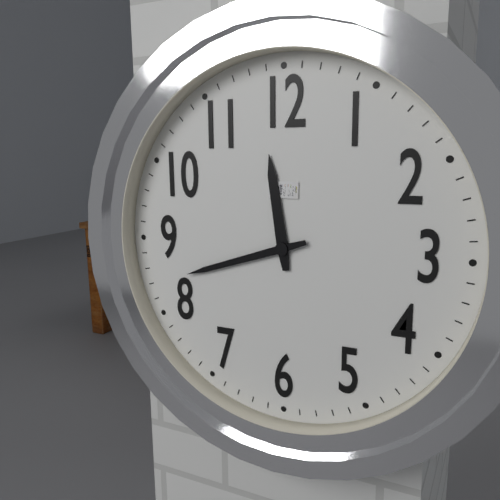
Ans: 11:42
